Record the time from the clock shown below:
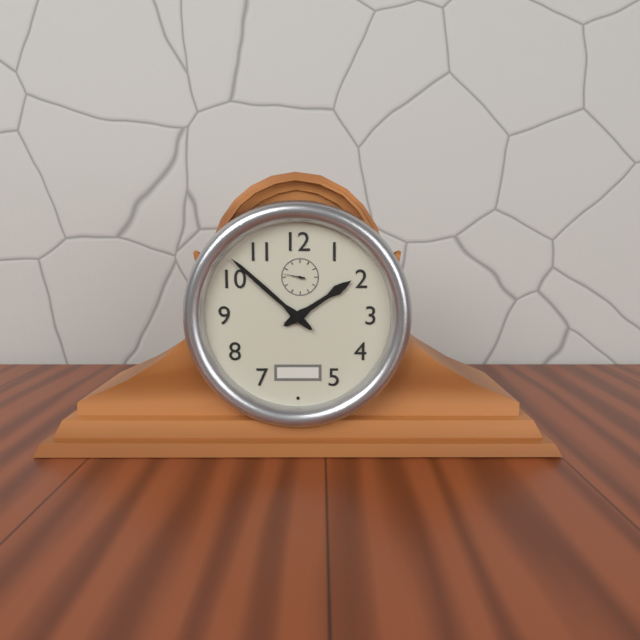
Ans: 1:52
